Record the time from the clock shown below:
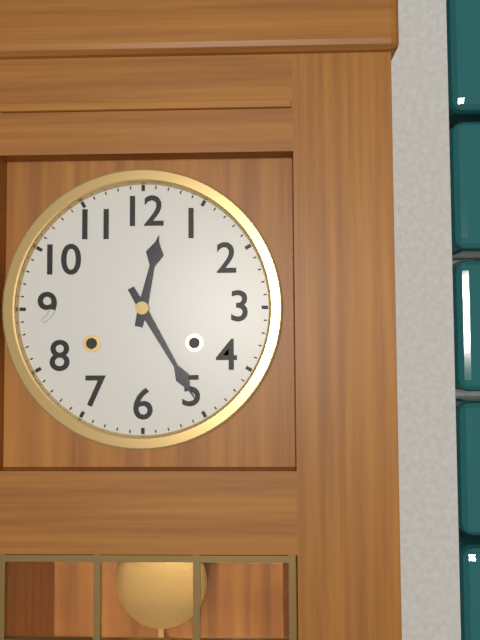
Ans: 12:25
